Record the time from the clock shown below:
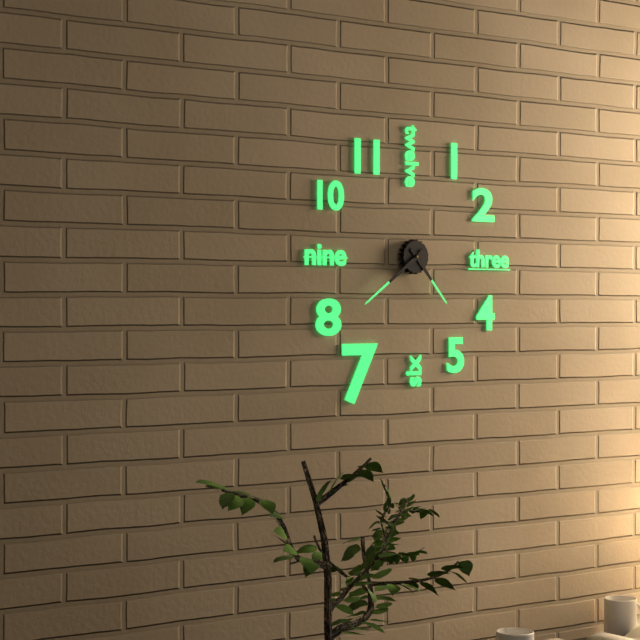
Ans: 4:39
